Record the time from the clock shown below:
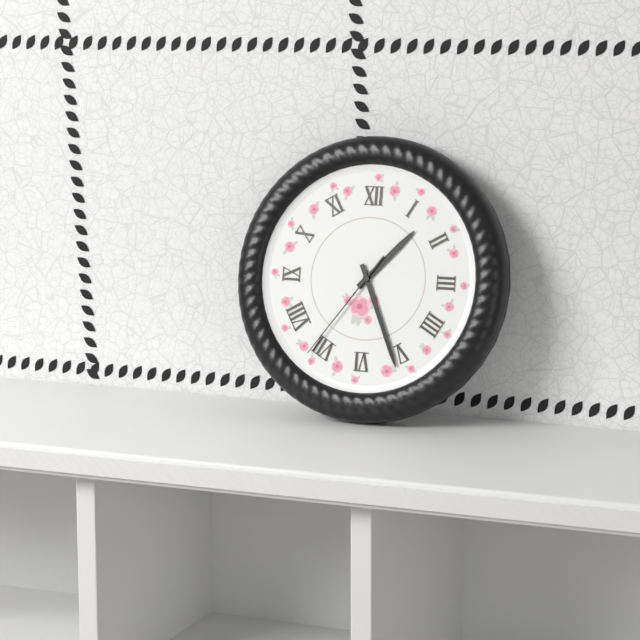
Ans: 1:26:36
